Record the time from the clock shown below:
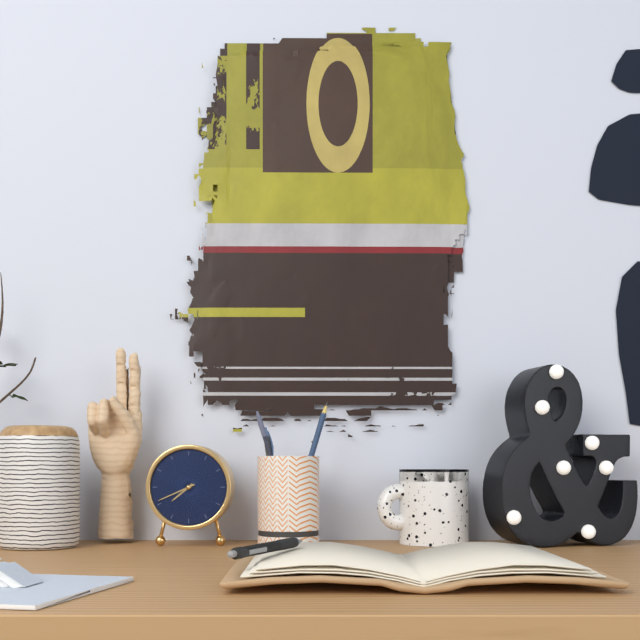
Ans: 7:41
